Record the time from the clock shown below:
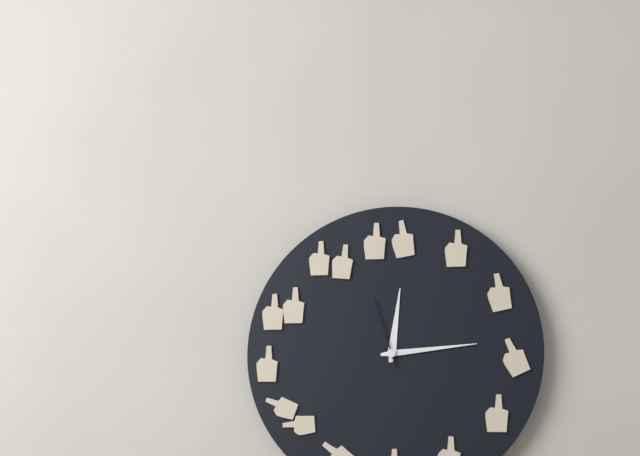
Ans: 12:14:57
